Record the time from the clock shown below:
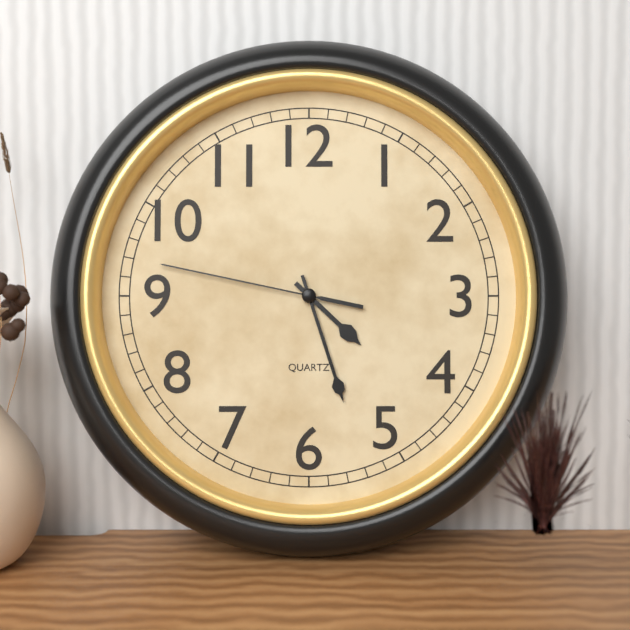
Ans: 4:27:47
